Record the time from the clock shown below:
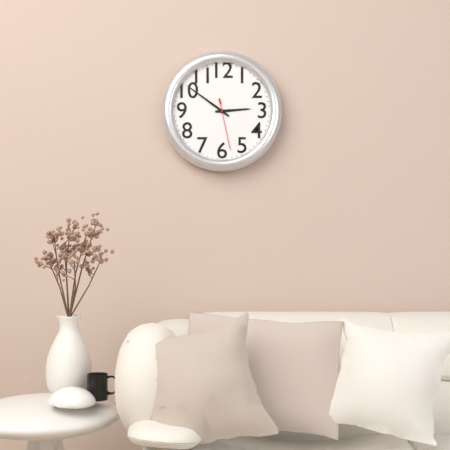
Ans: 2:51:28
